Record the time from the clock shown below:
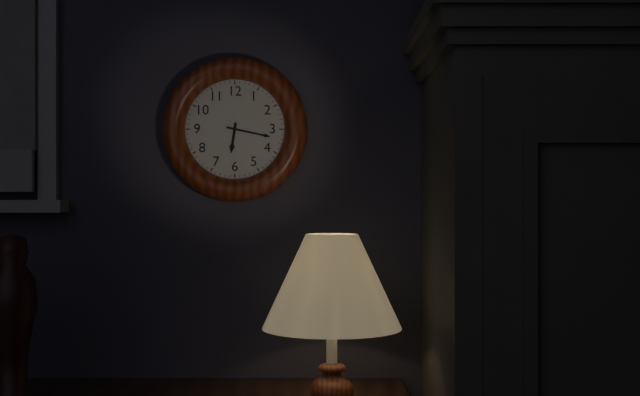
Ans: 6:17
